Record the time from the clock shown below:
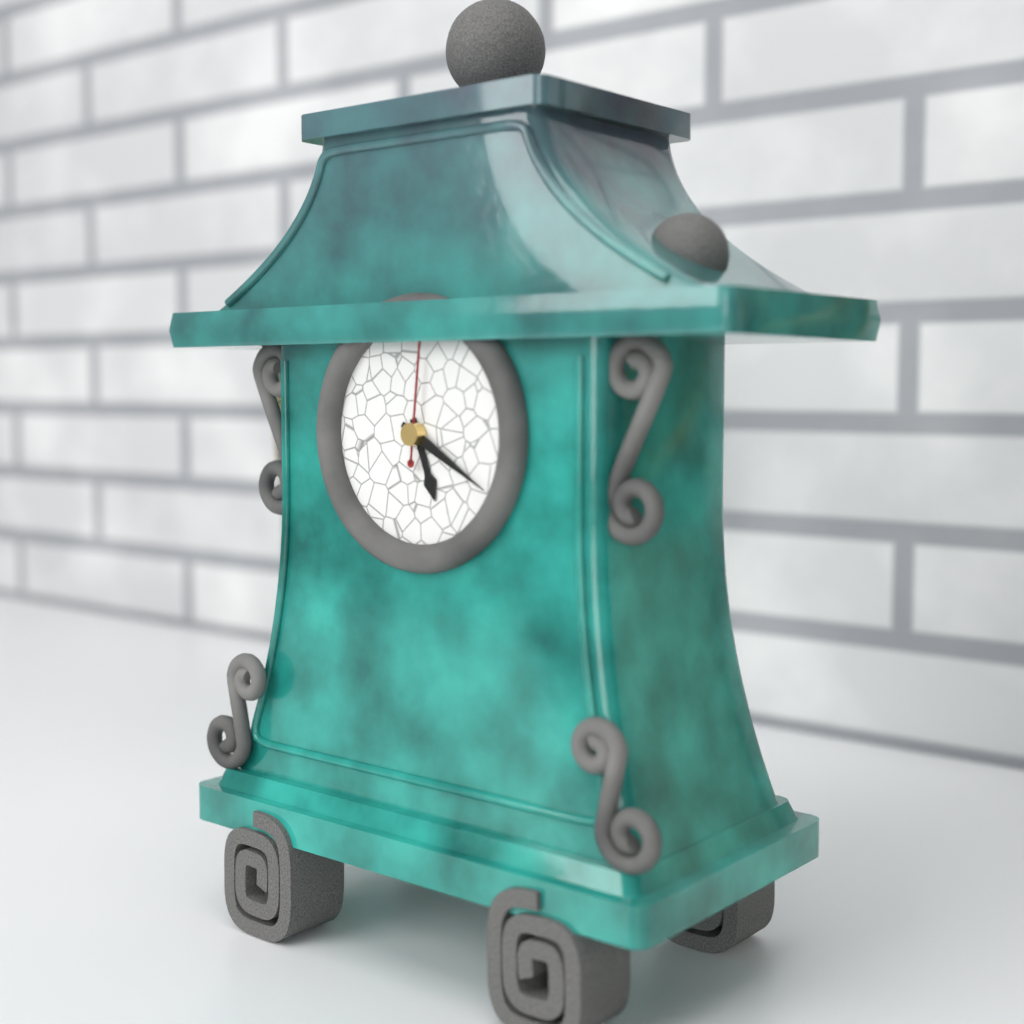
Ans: 5:20:01
